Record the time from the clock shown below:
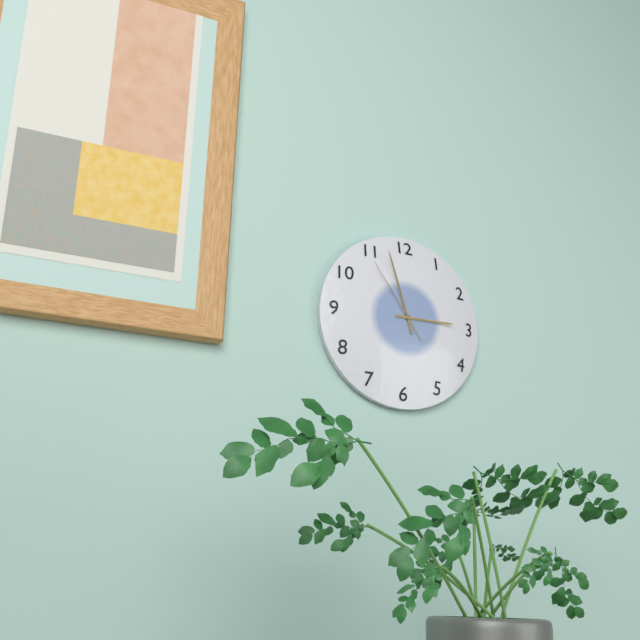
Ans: 2:57:54
